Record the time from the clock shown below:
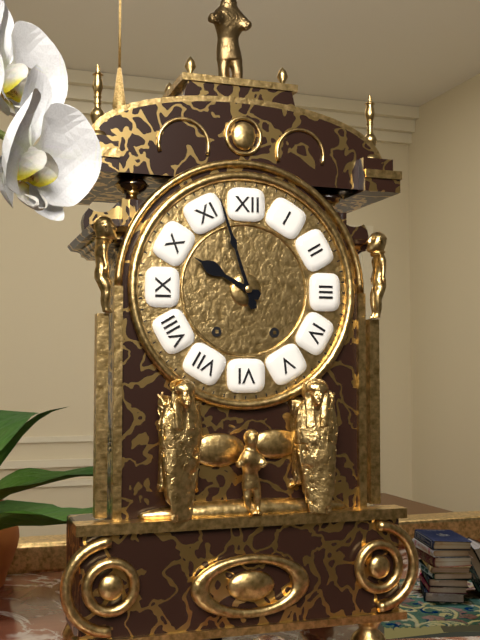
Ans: 9:57
